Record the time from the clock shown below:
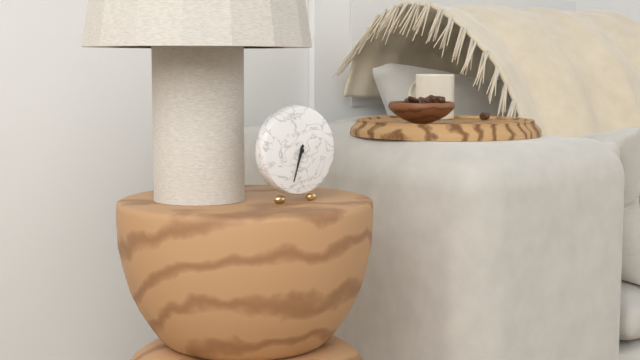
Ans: 6:33
